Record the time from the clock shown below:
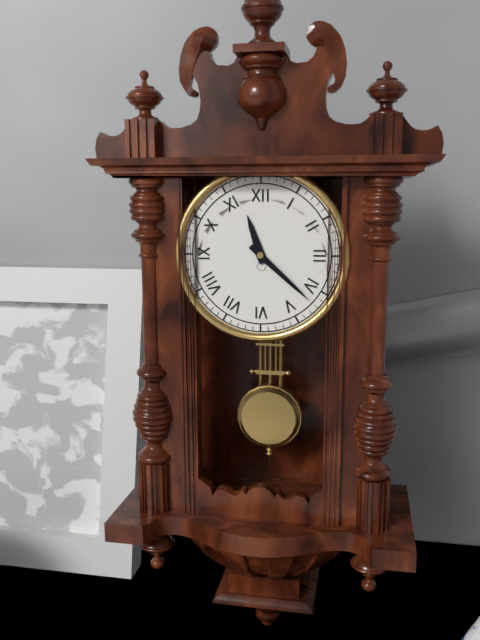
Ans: 11:22
